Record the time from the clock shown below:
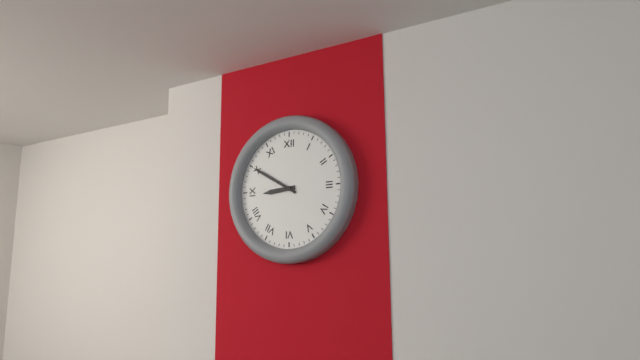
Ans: 8:50
